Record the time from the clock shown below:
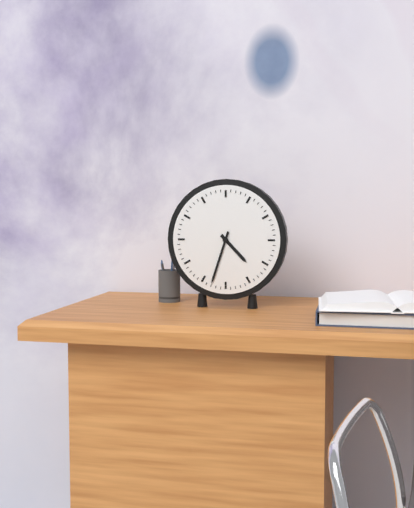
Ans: 4:33
